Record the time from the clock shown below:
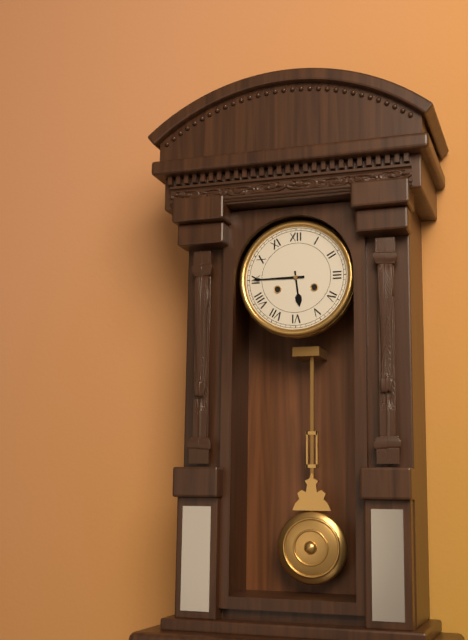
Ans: 5:45
